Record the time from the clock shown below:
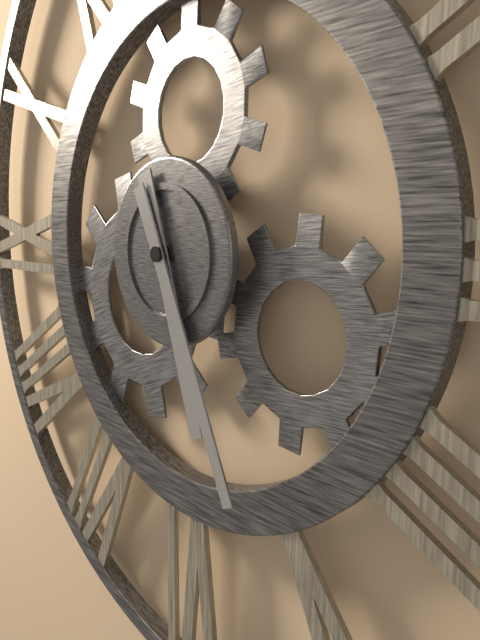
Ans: 5:26
